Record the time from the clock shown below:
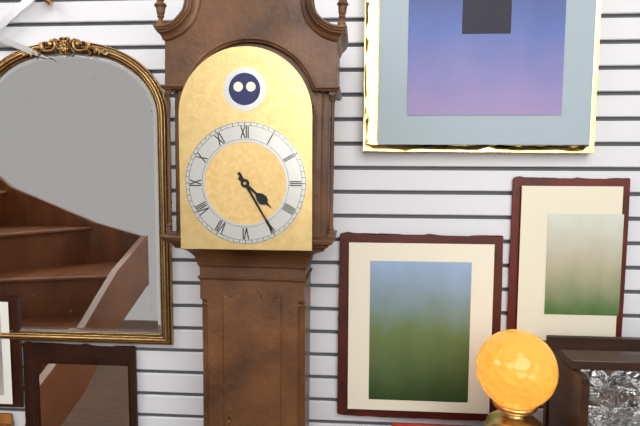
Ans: 4:25
